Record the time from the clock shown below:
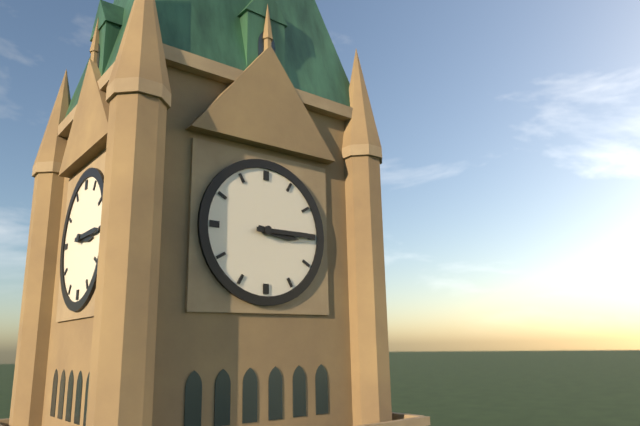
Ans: 3:15
